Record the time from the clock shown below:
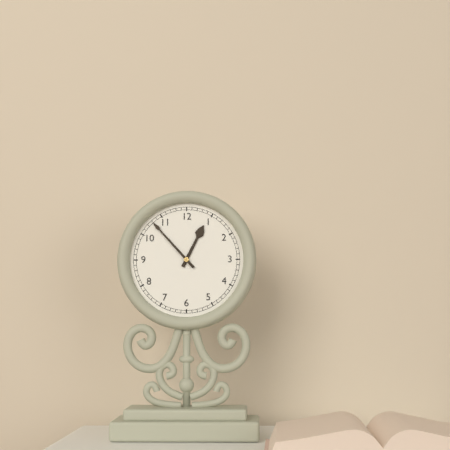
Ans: 12:53
